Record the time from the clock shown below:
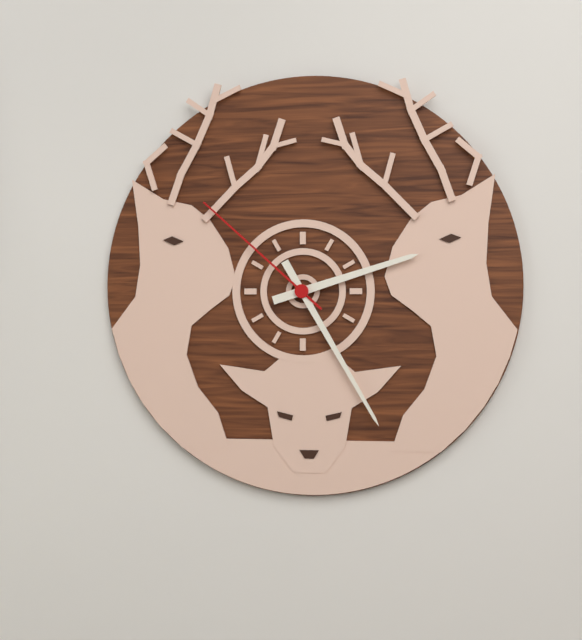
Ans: 2:25:52
